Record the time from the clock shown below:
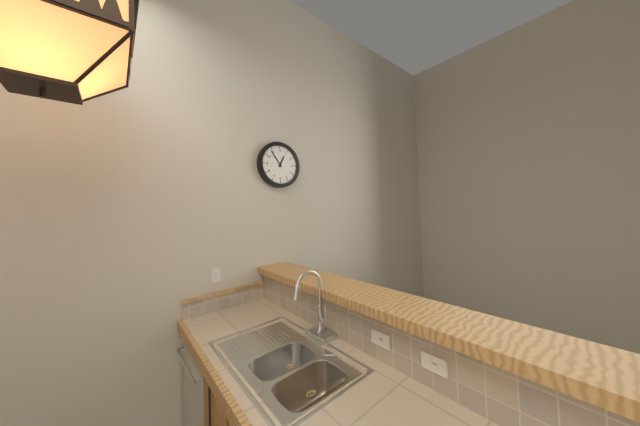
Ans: 12:54
